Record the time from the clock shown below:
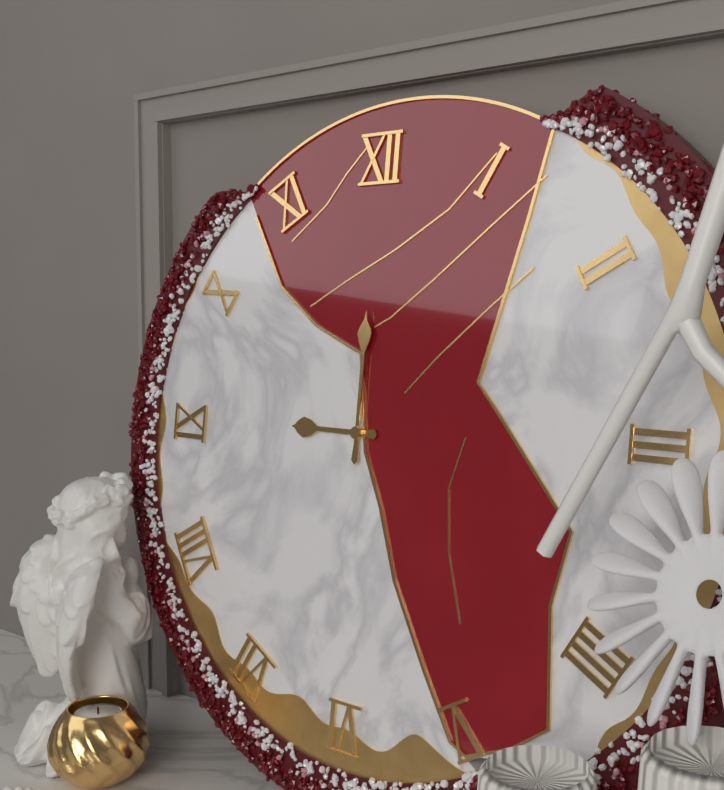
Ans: 9:00
